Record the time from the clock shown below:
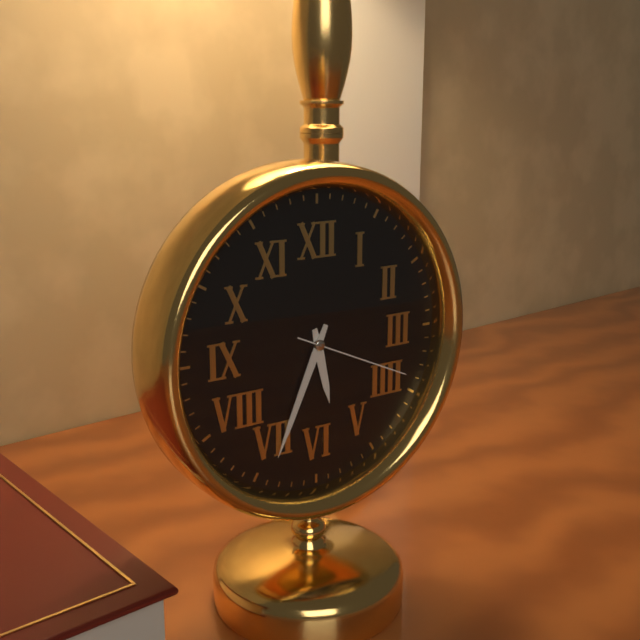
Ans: 5:34:19
